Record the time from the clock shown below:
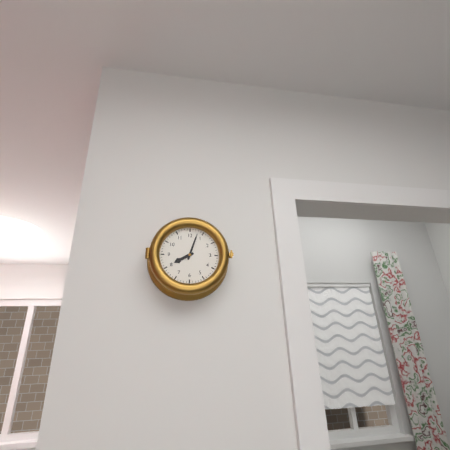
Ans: 8:03
